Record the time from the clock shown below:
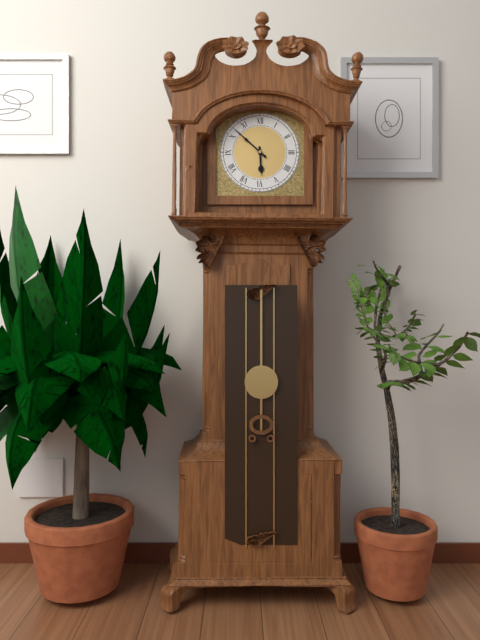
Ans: 5:52
